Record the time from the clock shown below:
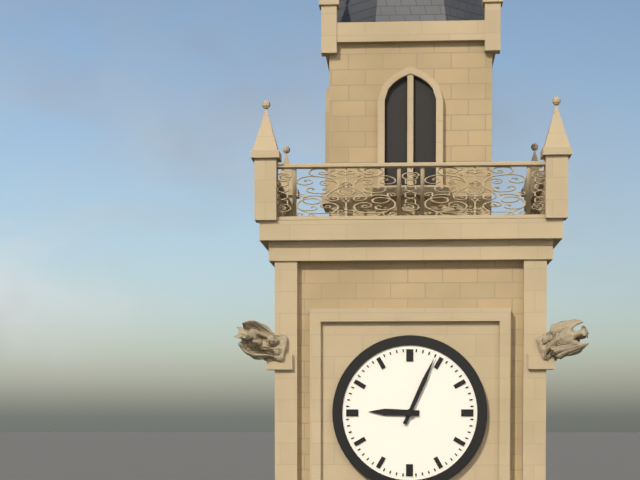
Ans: 9:04
